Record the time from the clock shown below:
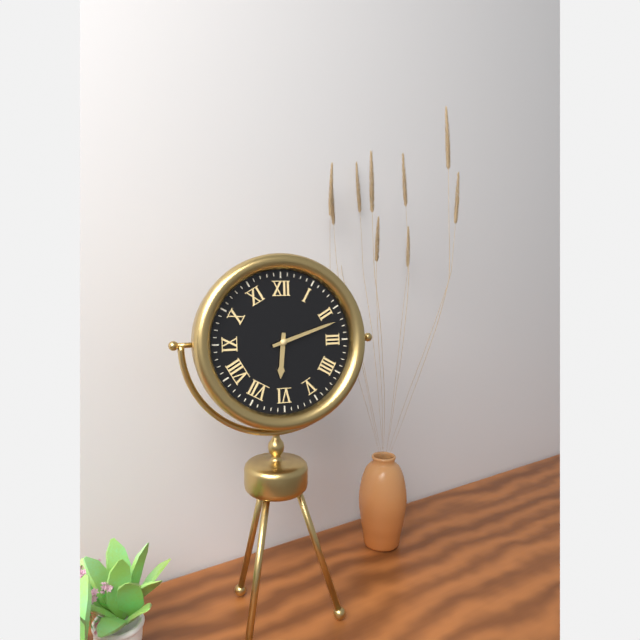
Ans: 6:12
